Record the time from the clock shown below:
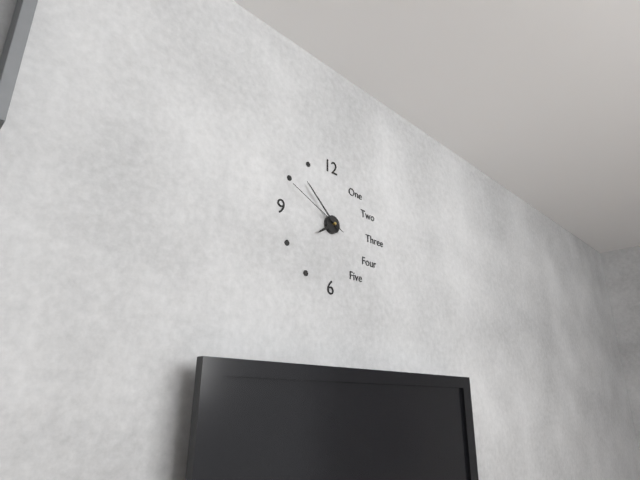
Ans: 7:52:49
